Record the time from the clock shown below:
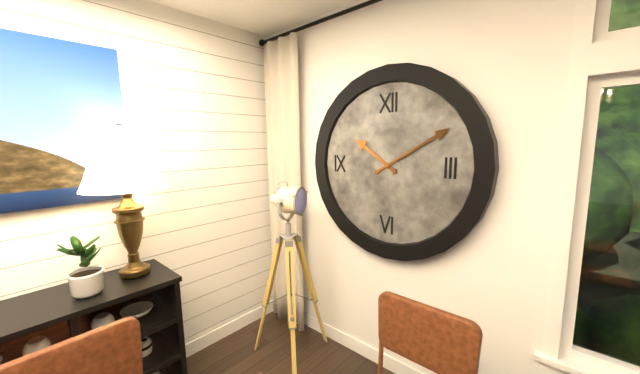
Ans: 10:10
